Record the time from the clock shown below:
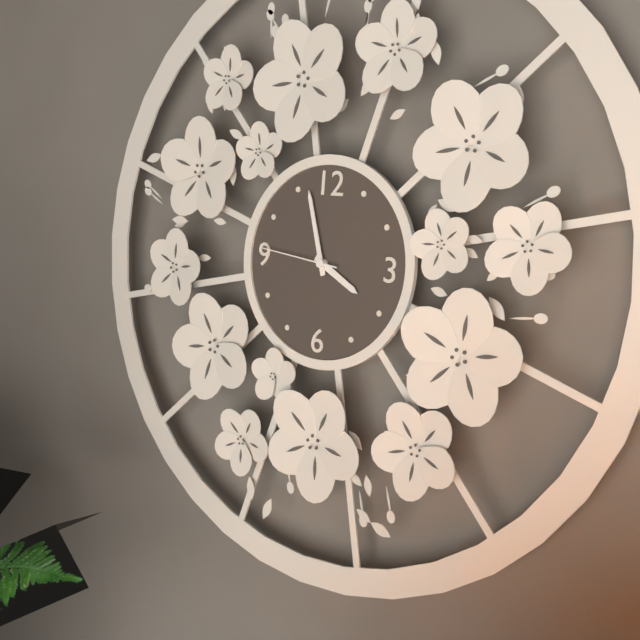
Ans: 3:57:46
